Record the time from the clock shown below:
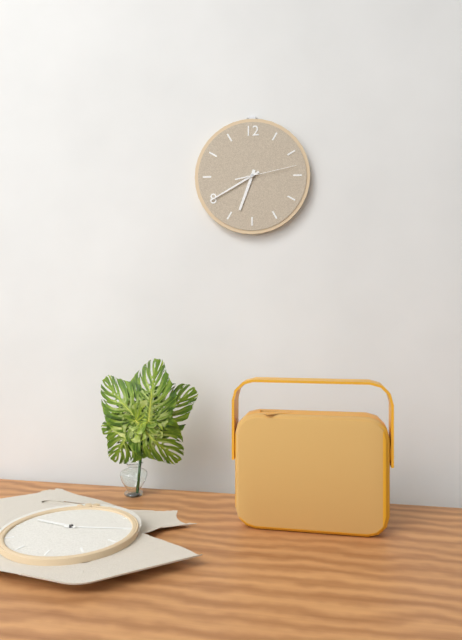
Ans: 6:40:13
